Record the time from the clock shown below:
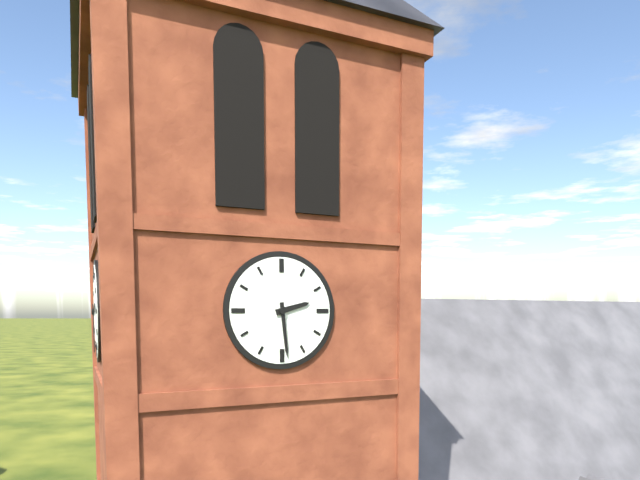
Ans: 2:29
